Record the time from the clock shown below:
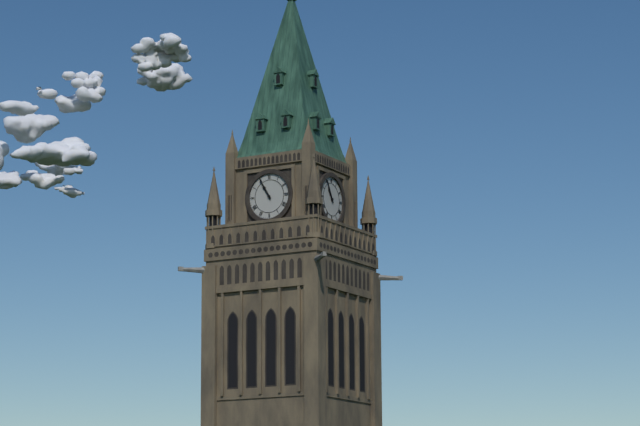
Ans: 10:55
